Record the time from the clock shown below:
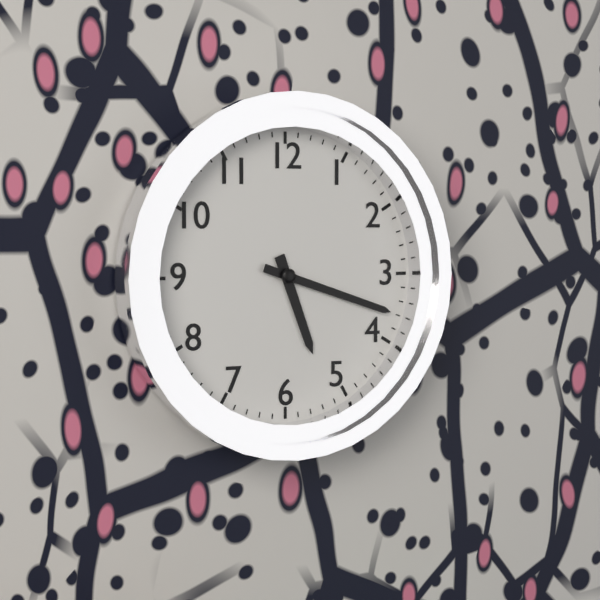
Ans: 5:18
